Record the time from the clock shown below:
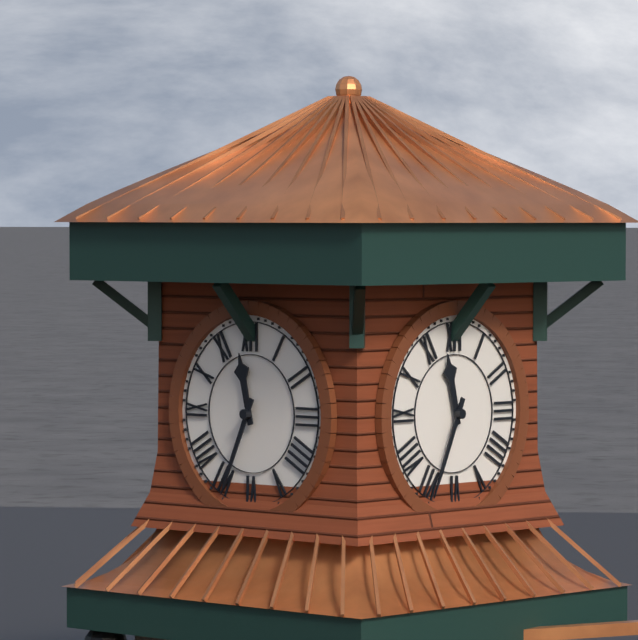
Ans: 11:34
